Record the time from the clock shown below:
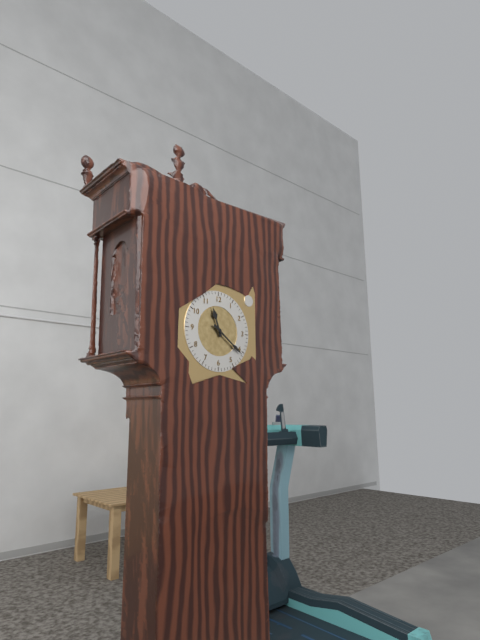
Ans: 11:21
